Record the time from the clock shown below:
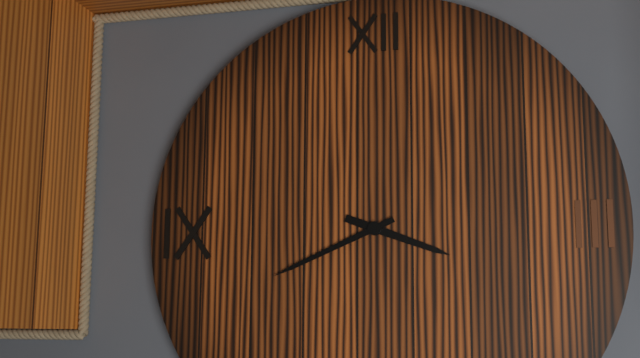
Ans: 3:41
